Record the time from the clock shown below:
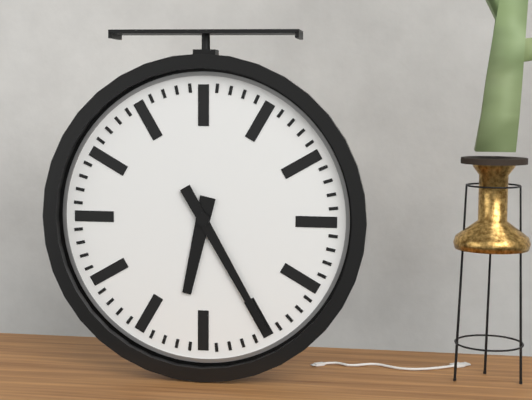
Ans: 6:25
